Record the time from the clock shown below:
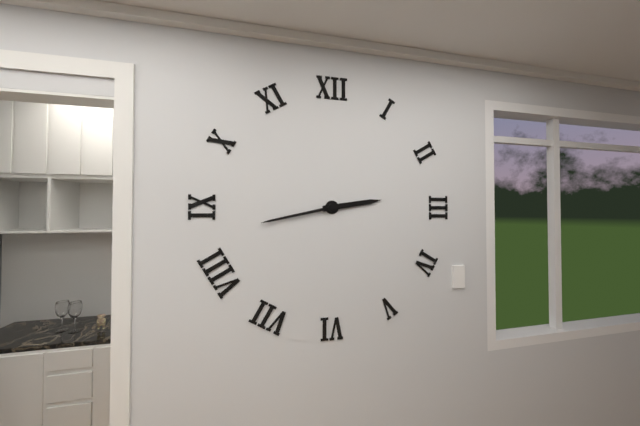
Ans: 2:43
